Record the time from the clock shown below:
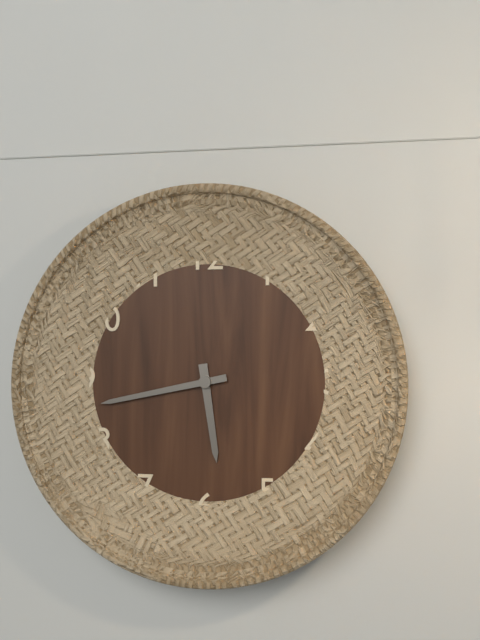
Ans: 5:43
